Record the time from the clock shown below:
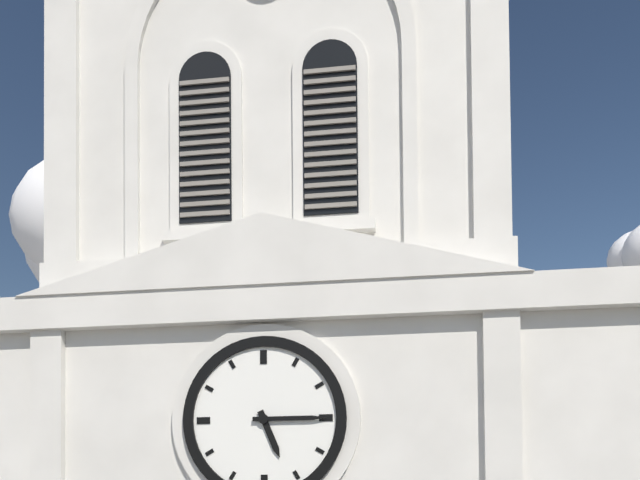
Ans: 5:15
